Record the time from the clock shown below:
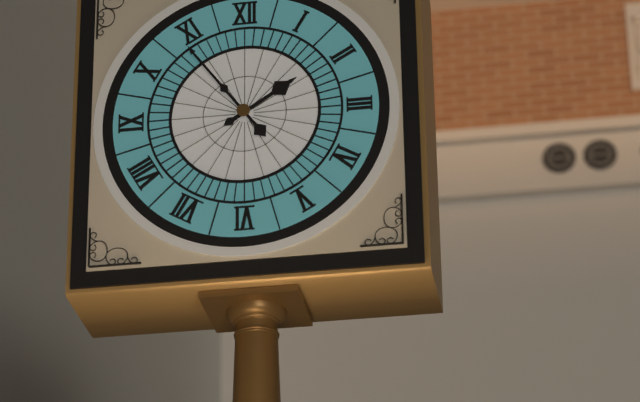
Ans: 1:54
